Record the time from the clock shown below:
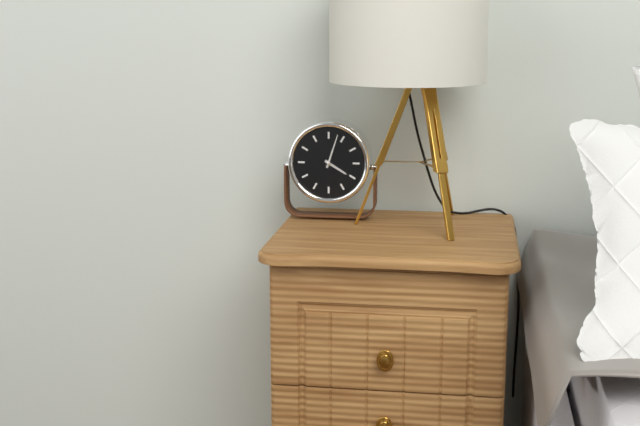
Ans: 4:03
